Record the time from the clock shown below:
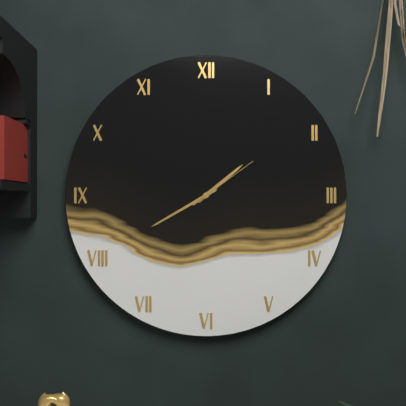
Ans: 1:40:09
